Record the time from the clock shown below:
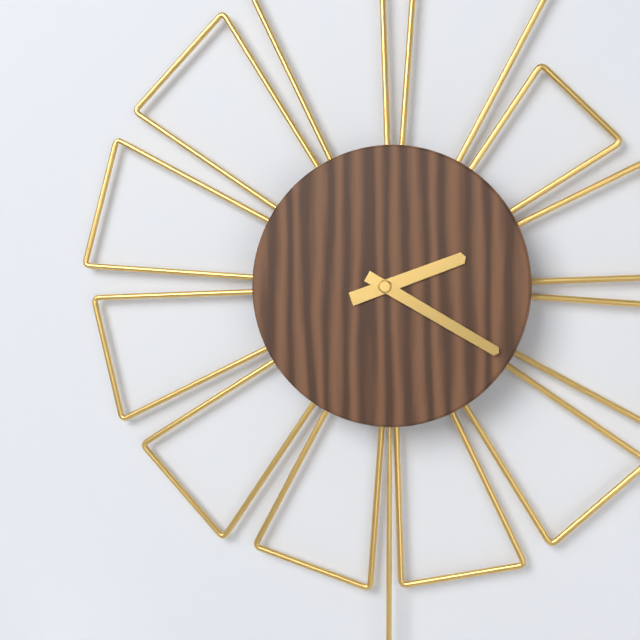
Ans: 2:20
